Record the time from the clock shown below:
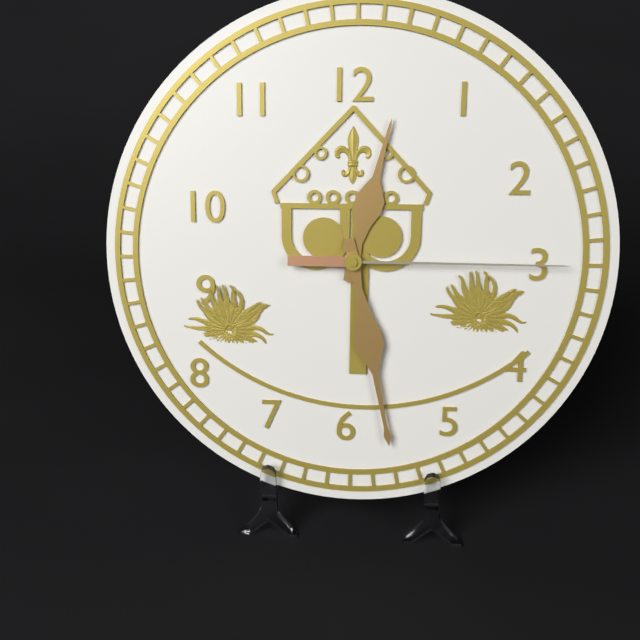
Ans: 12:28:15
